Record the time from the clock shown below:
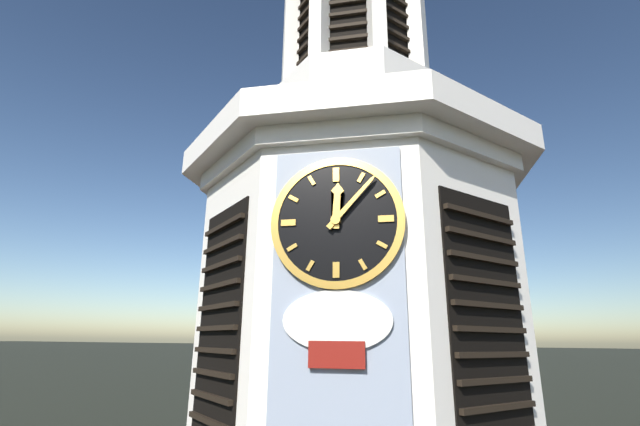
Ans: 12:07
